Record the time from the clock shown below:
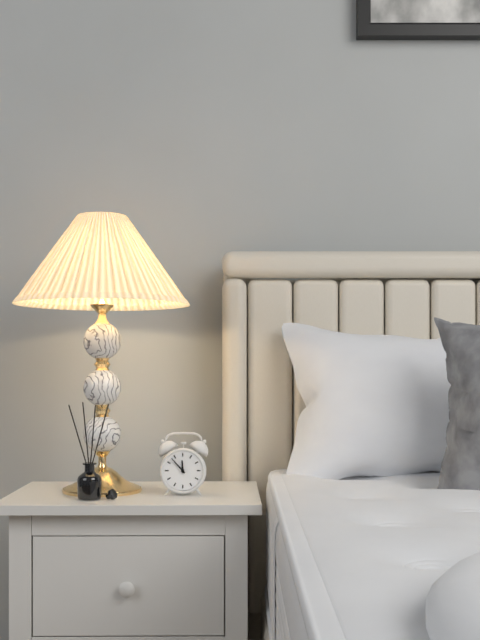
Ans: 11:53
